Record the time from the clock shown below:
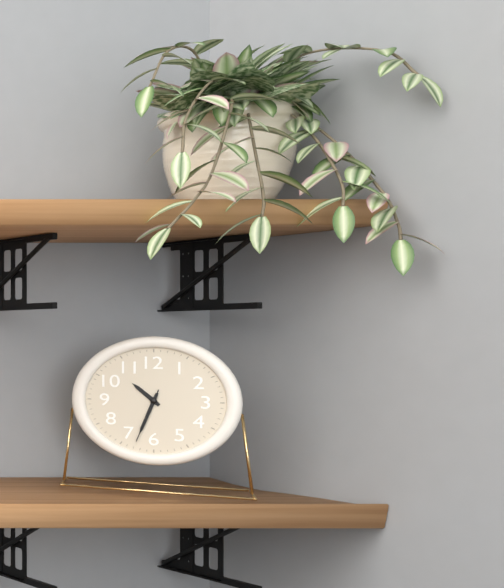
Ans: 10:33:33
